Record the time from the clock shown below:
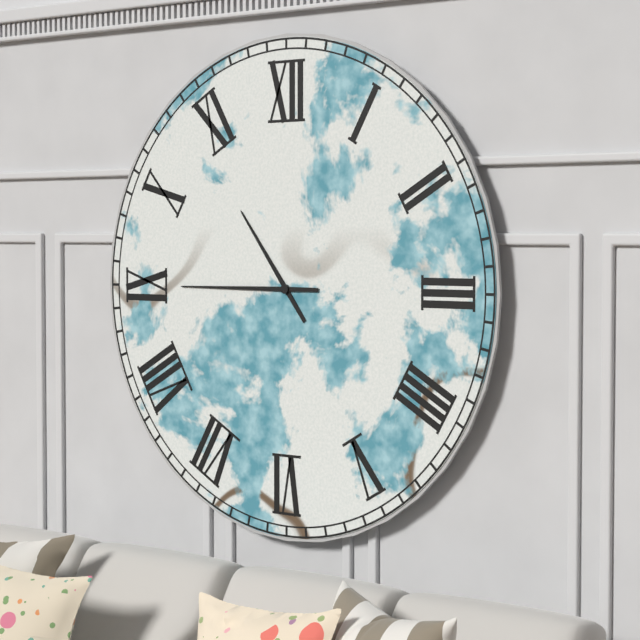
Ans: 10:45
